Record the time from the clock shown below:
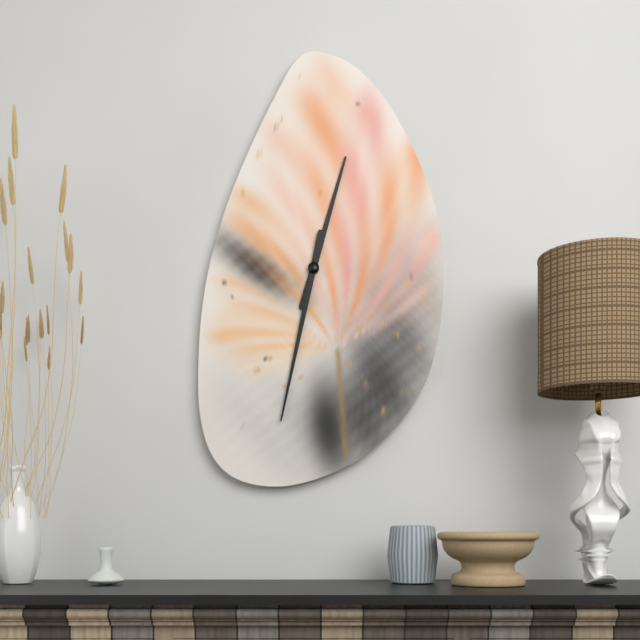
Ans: 12:32
